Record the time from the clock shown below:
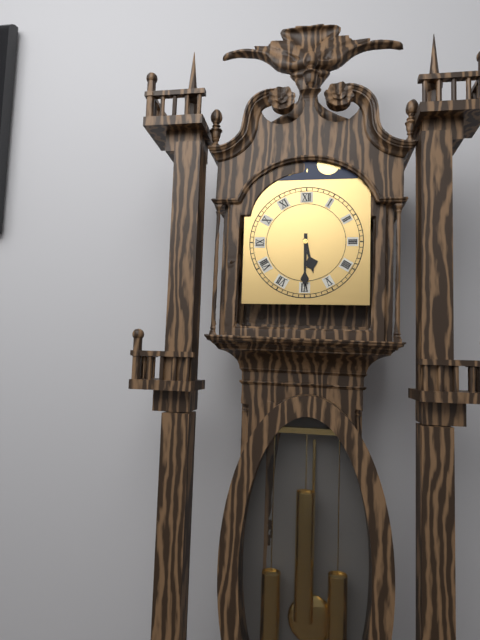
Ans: 5:30
